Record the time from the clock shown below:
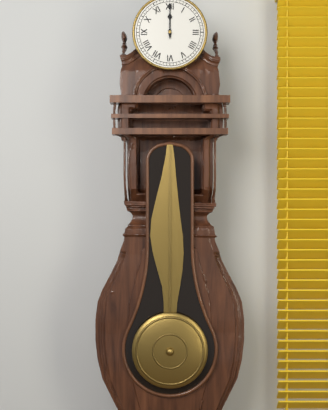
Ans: 12:00
